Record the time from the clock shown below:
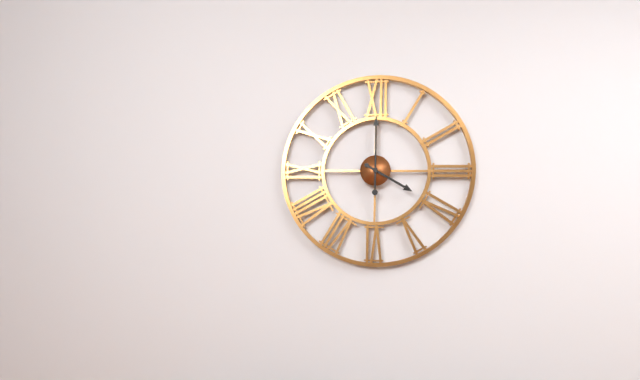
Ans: 4:00
